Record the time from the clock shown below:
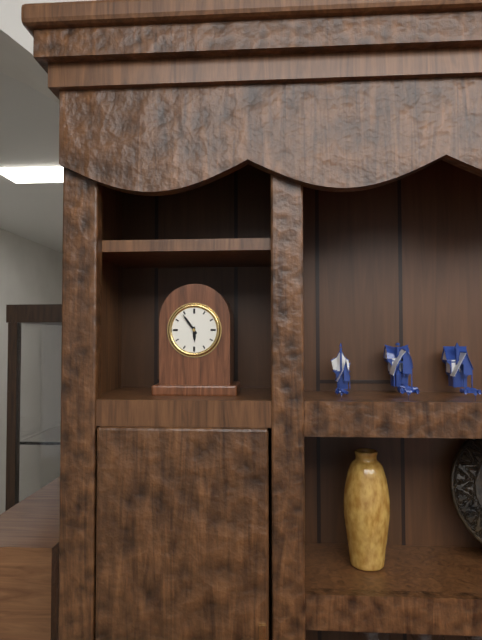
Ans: 5:54
